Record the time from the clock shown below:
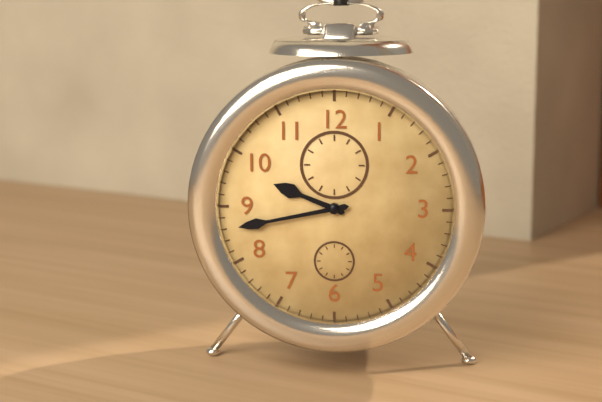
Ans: 9:43
